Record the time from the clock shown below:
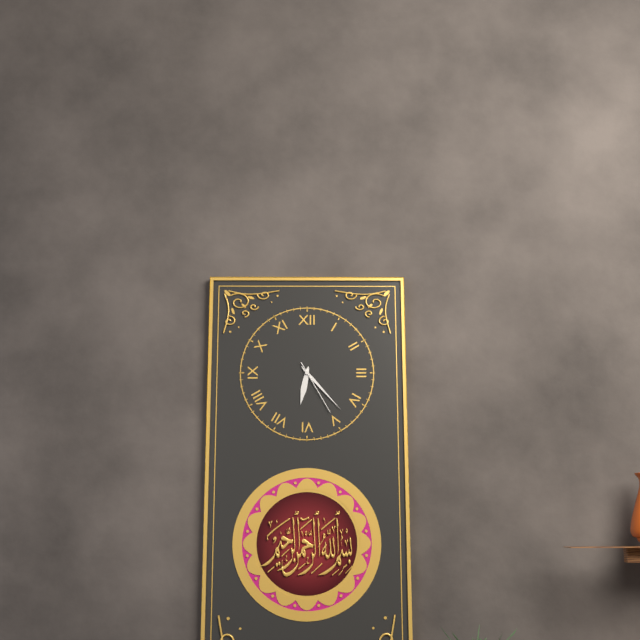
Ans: 6:23:25
